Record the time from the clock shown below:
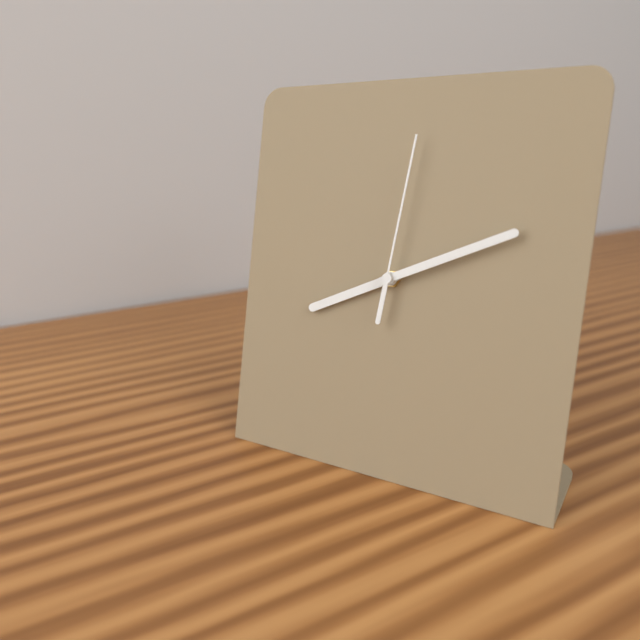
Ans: 8:11:01
